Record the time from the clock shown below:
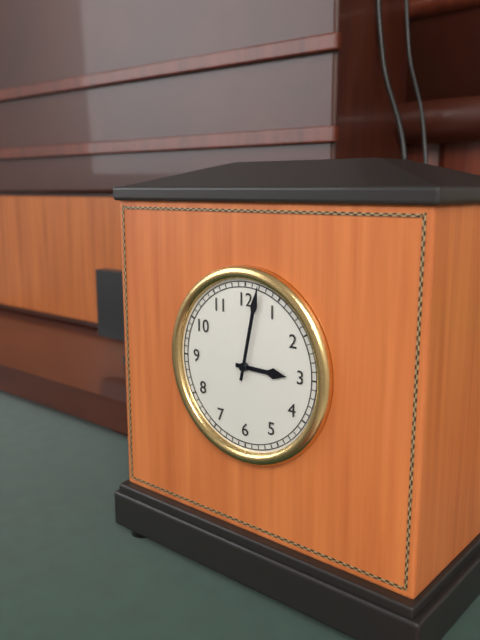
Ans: 3:02
